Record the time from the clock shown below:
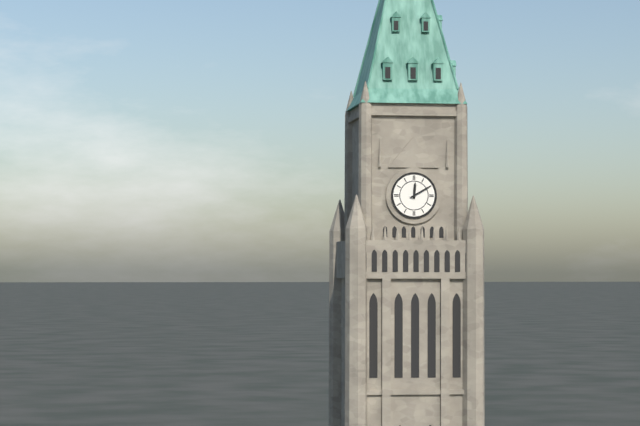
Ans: 12:10
